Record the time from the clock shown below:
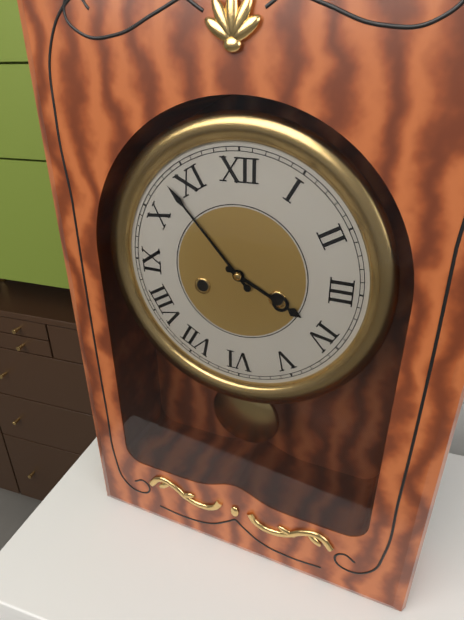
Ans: 3:53
